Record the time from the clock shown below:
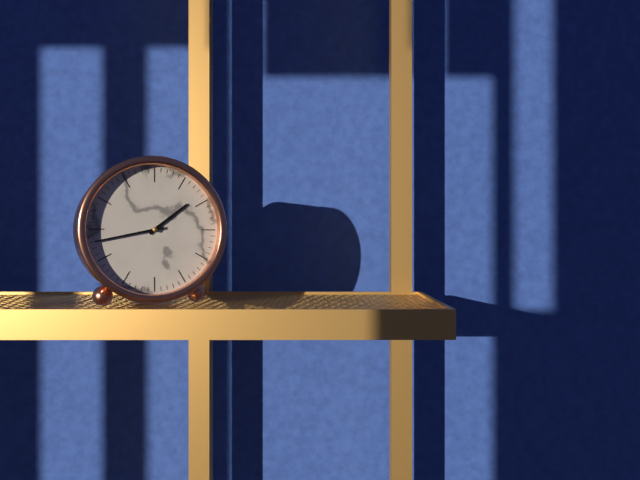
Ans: 1:43
